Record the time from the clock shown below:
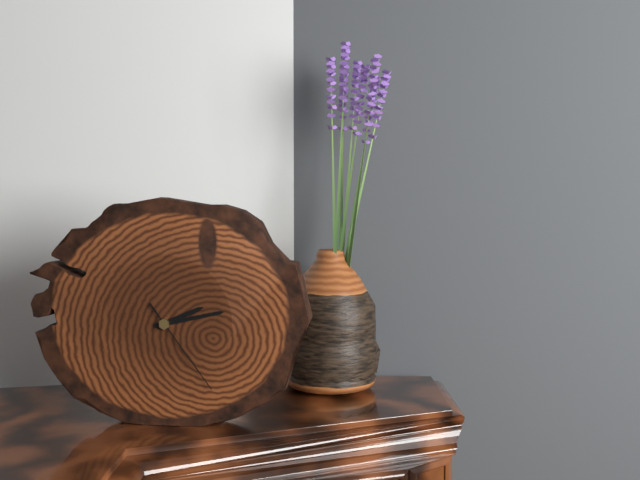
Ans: 2:13:24
